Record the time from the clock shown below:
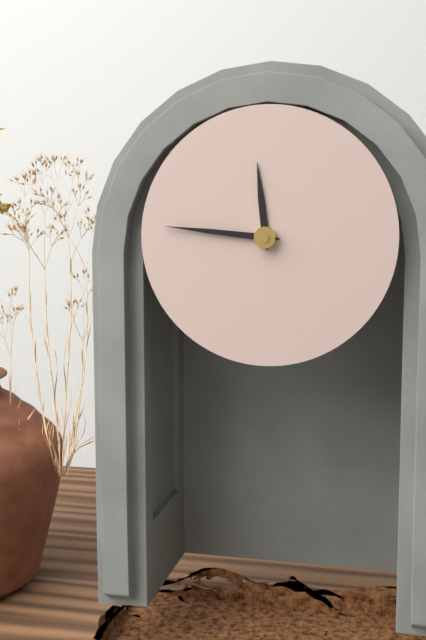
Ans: 11:46
